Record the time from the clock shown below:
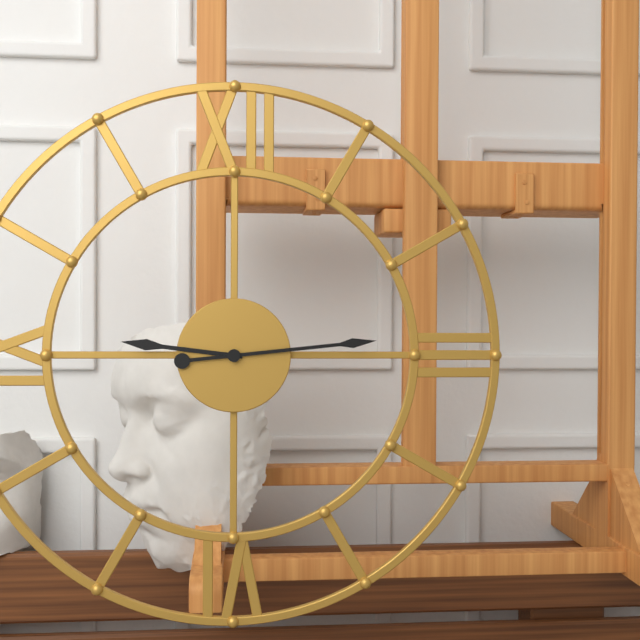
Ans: 9:14
